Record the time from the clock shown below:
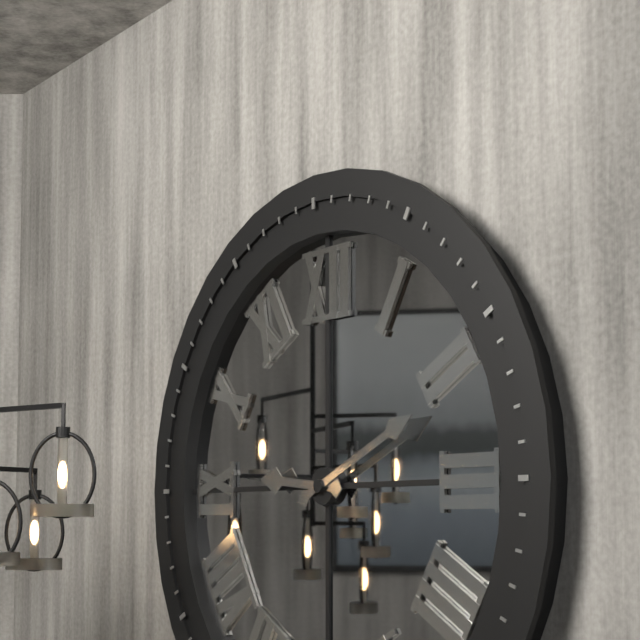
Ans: 9:11
